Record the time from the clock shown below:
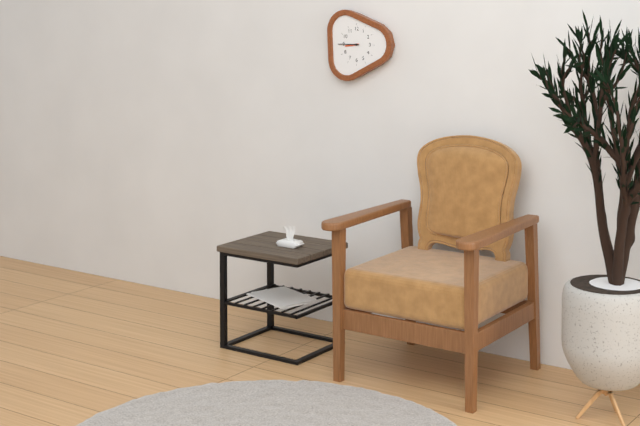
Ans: 8:45
